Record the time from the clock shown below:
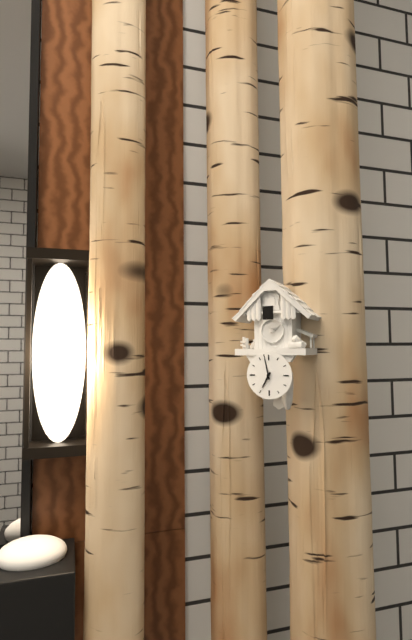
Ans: 6:58
